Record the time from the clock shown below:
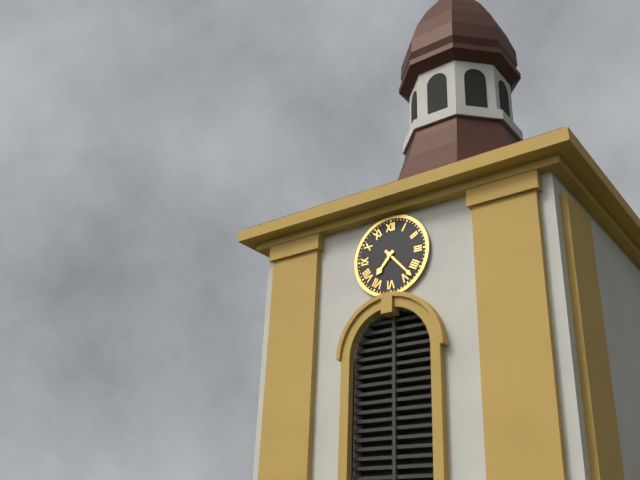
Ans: 7:23
